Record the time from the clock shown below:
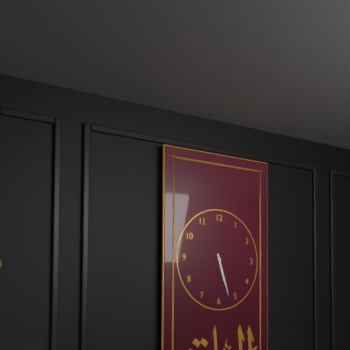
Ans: 5:27
